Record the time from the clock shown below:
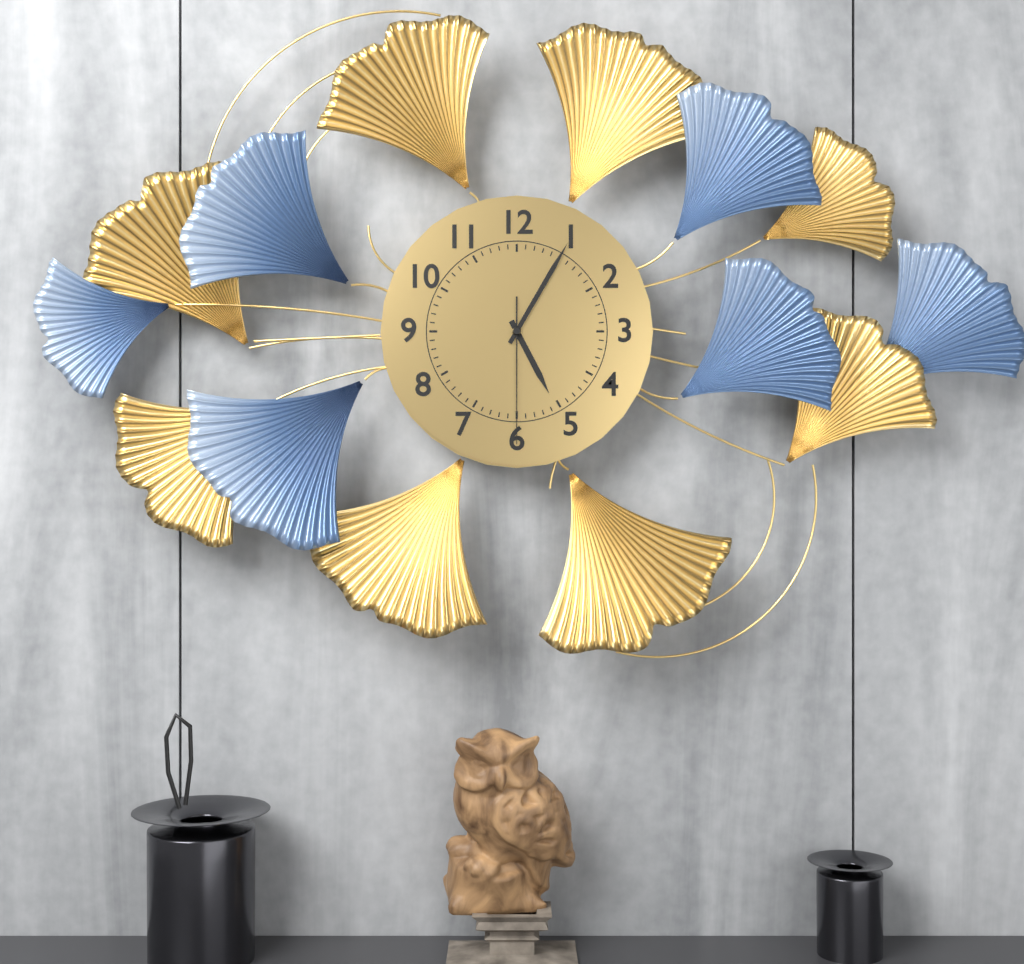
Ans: 5:05:30
